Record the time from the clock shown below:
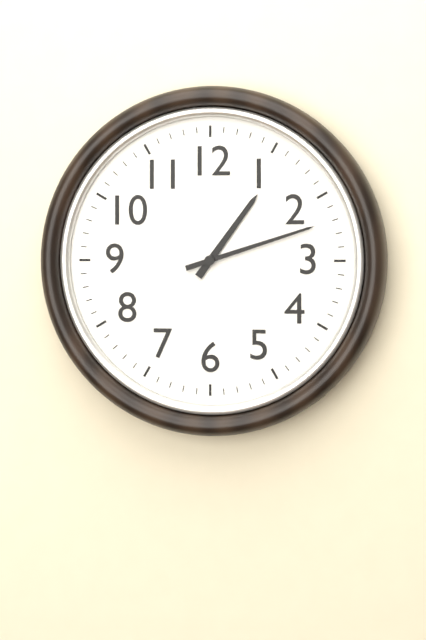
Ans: 1:12
